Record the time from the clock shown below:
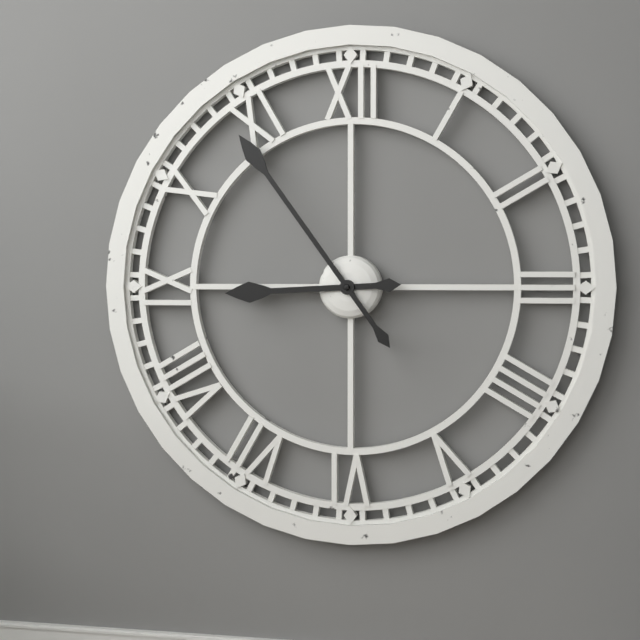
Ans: 8:54
